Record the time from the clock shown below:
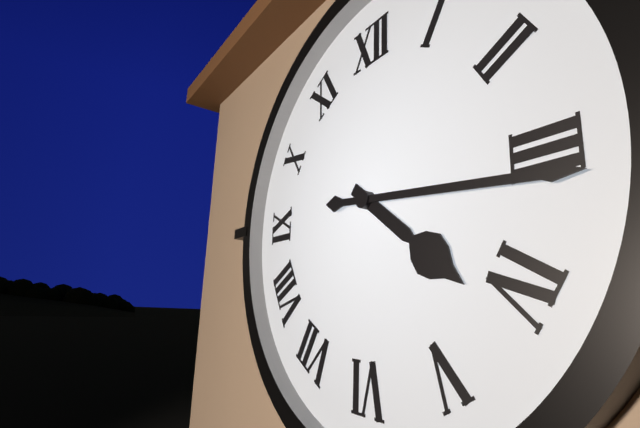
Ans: 4:16
